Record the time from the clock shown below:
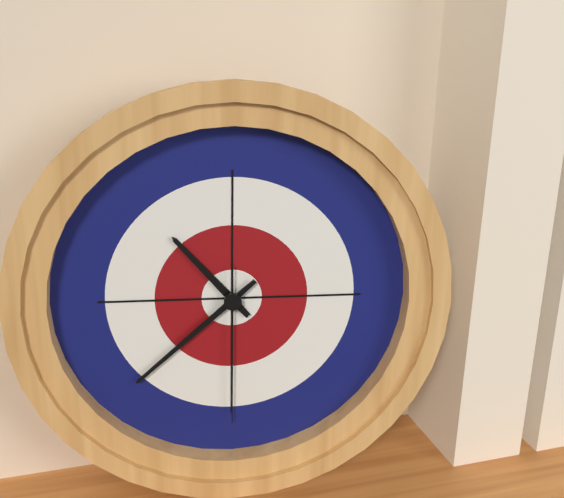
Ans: 10:38:30
